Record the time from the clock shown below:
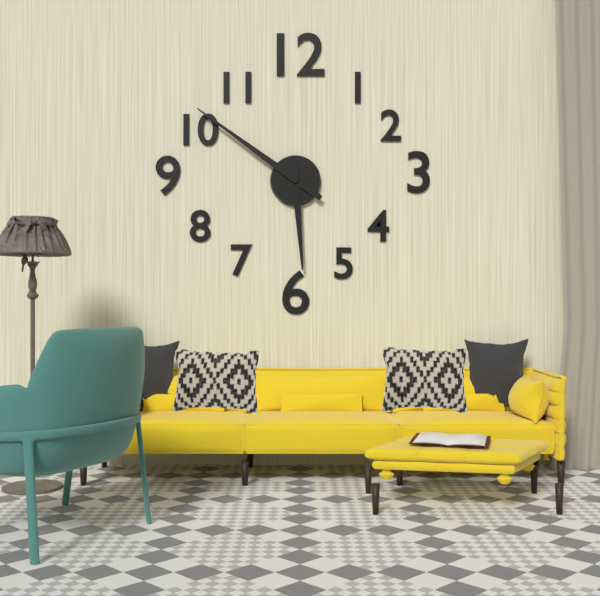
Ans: 5:51
